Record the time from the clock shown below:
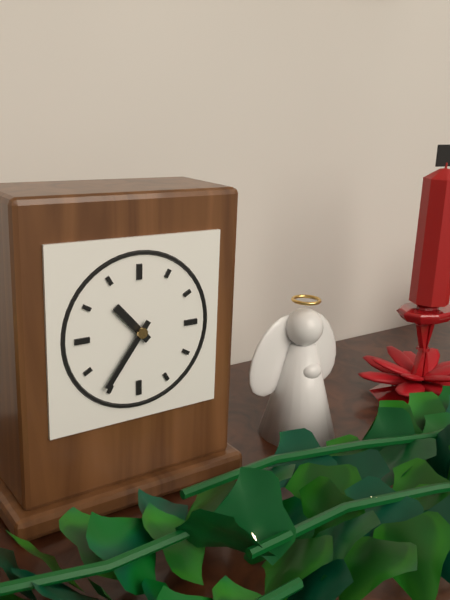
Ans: 10:36
